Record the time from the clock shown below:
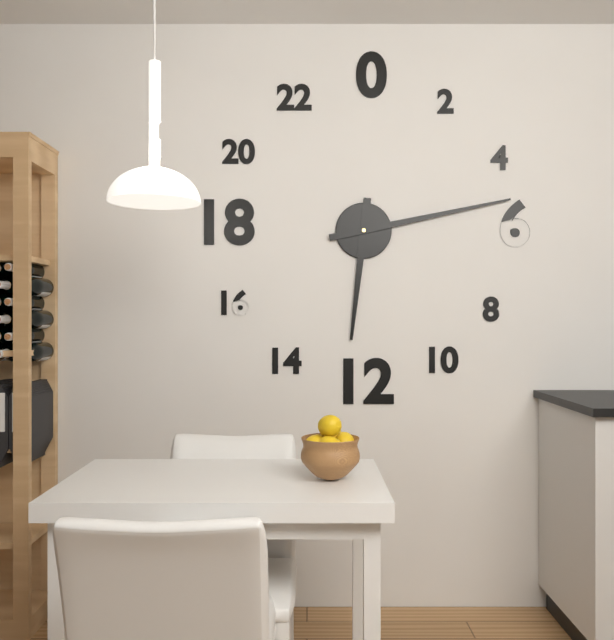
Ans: 6:13
